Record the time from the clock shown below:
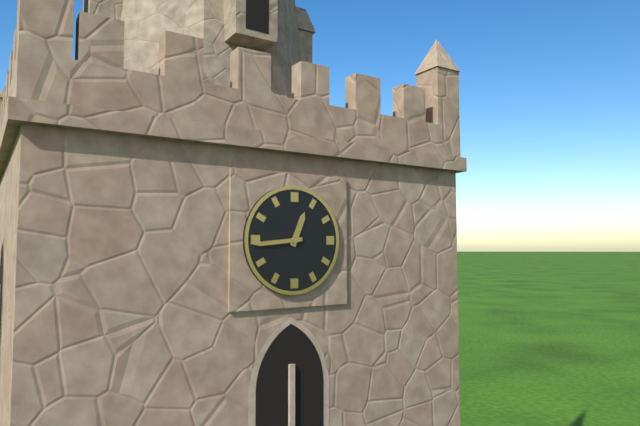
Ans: 12:44
